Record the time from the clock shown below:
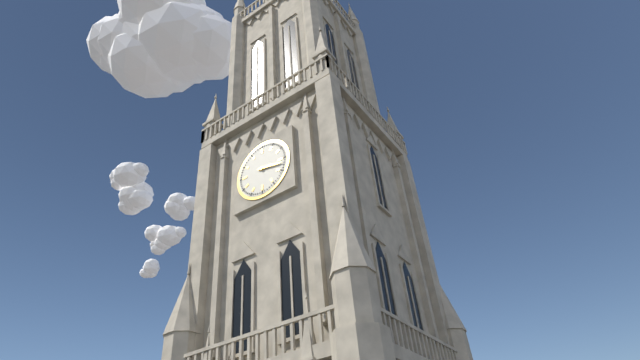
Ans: 3:17
